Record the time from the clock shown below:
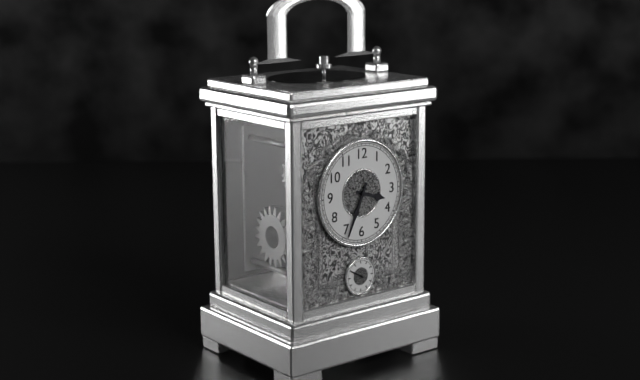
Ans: 3:34
